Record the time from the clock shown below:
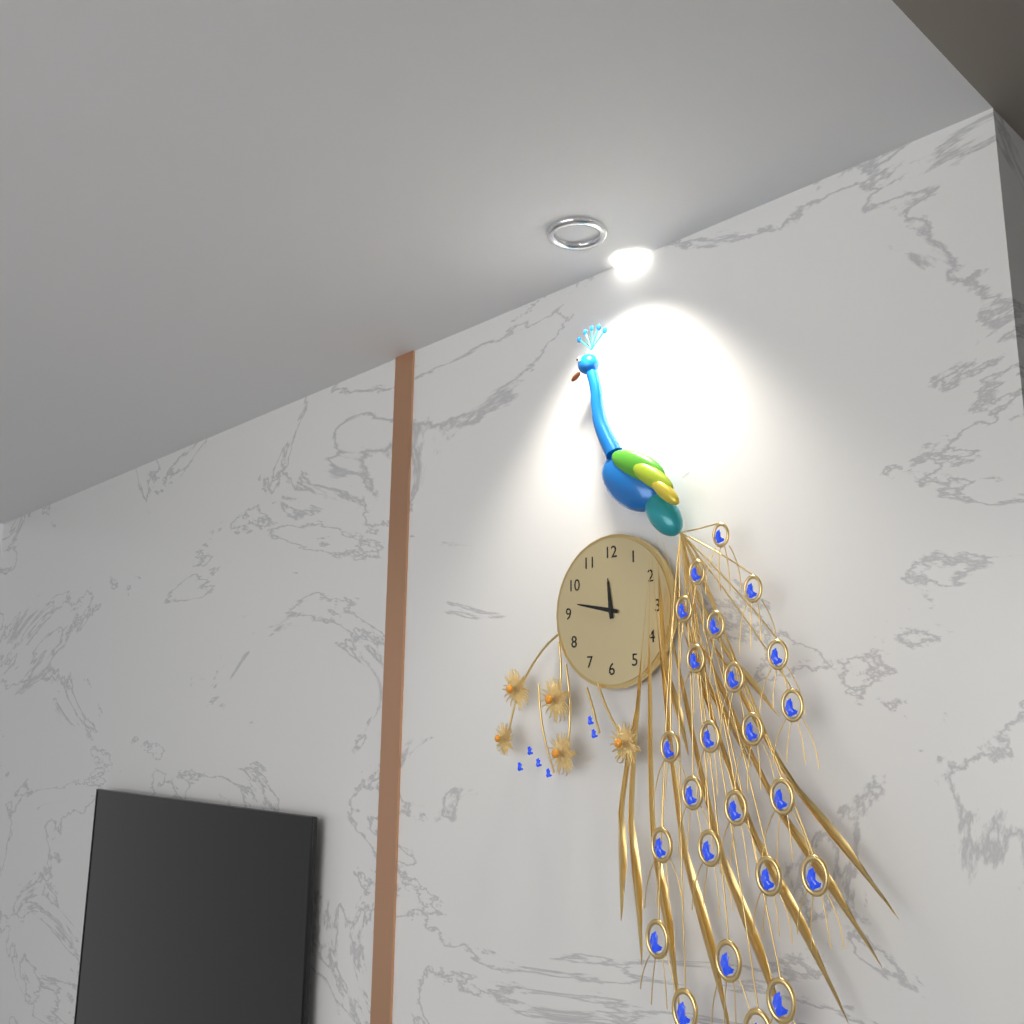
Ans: 11:47
